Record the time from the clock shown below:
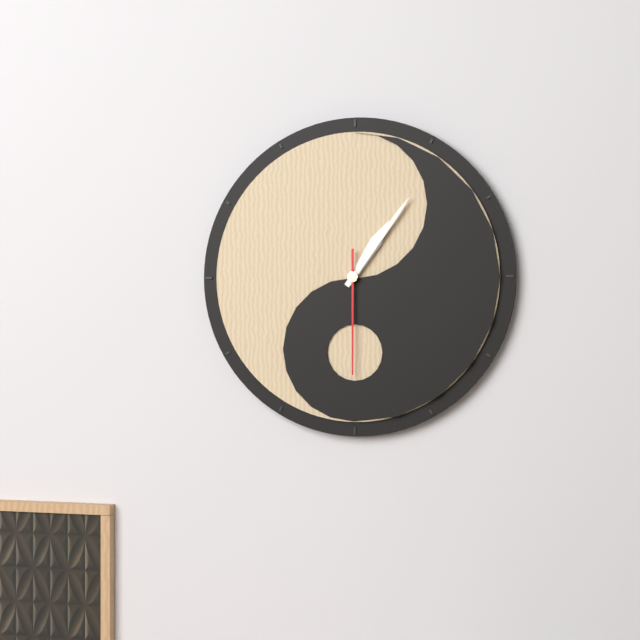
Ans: 1:06:30
